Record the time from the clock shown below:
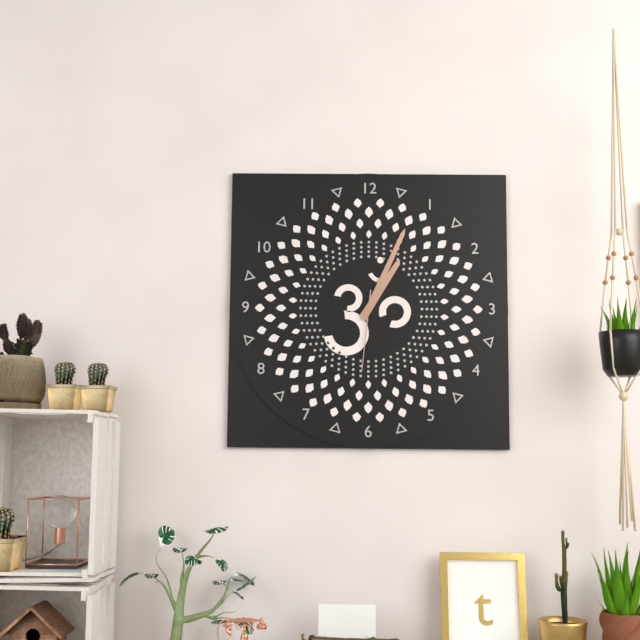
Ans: 1:04:31
